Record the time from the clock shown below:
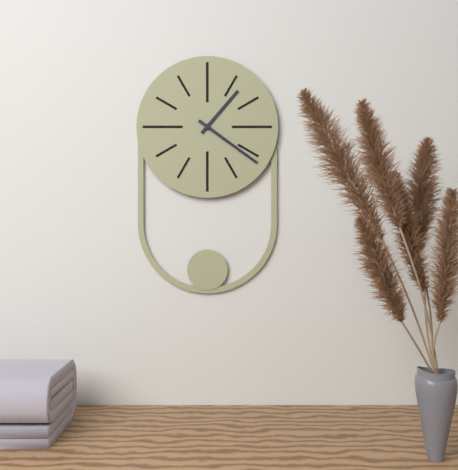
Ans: 1:21
